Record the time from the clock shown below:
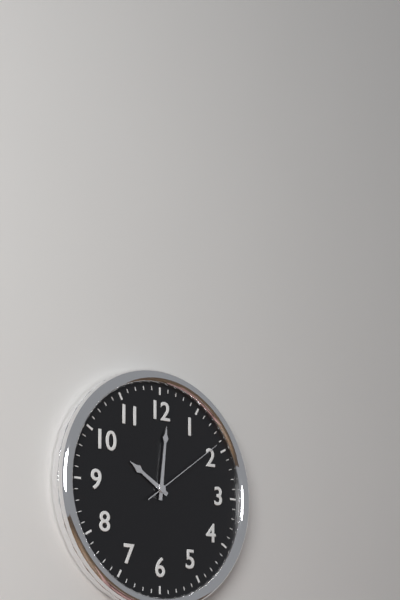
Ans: 10:01:09
